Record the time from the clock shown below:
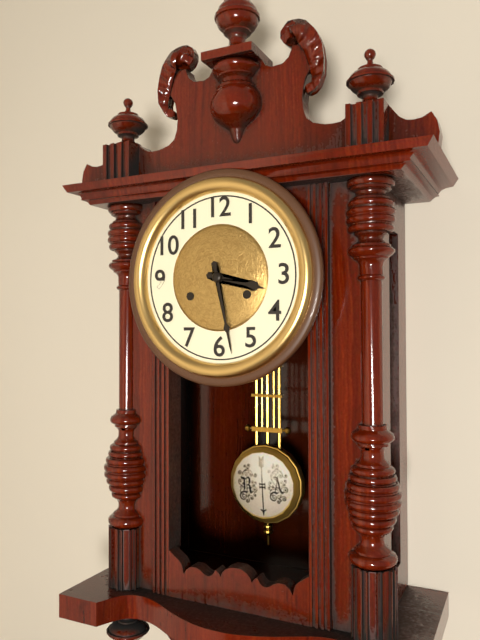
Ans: 3:28
